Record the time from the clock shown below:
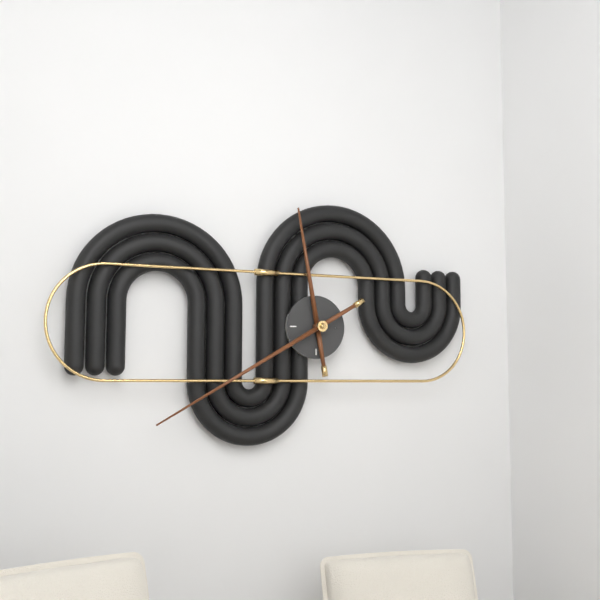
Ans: 11:40
